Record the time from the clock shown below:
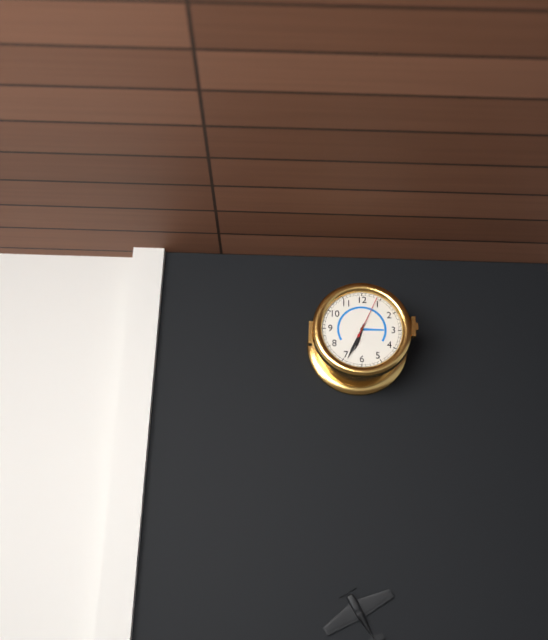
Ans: 6:34
